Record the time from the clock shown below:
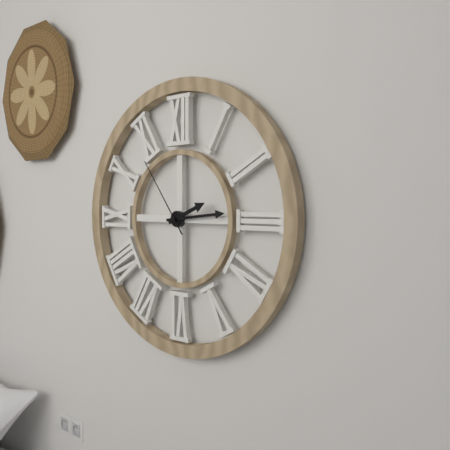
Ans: 2:14:54
